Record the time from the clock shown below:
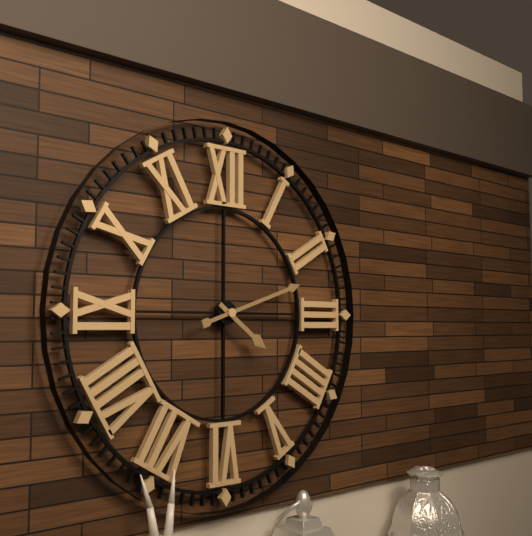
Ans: 4:12
